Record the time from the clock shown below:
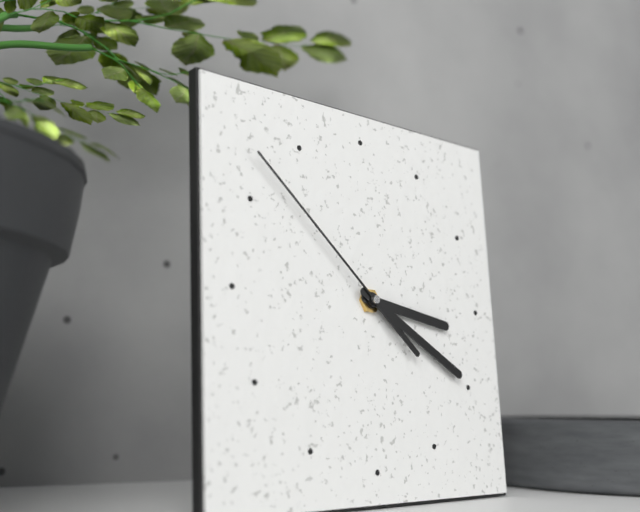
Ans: 3:20:52
